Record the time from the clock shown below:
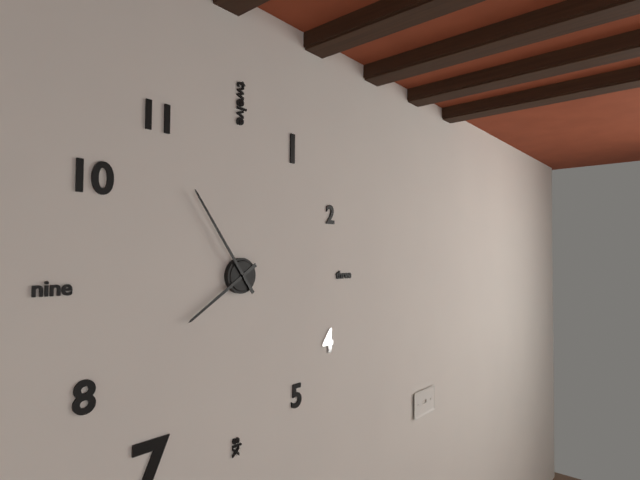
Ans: 7:54
